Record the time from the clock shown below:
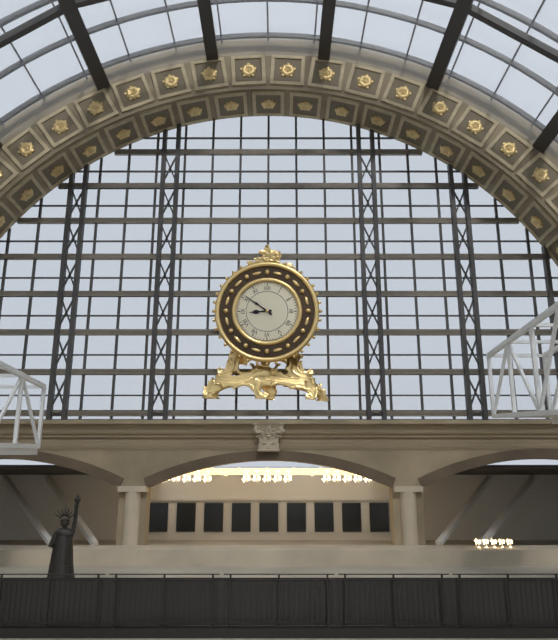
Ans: 8:51
